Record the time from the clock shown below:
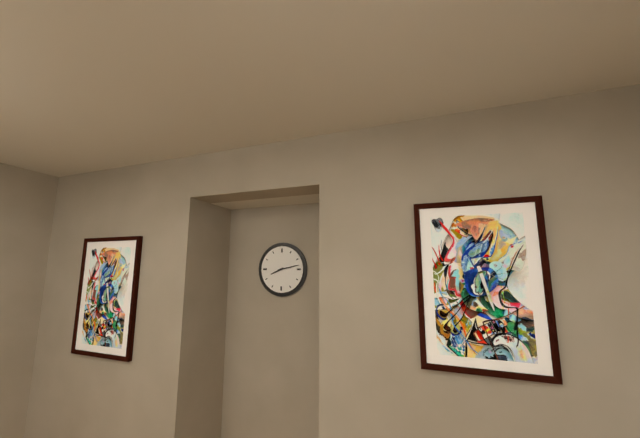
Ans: 8:13
